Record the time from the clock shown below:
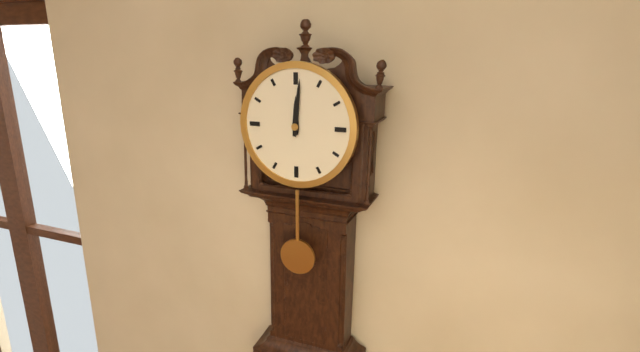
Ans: 12:01
